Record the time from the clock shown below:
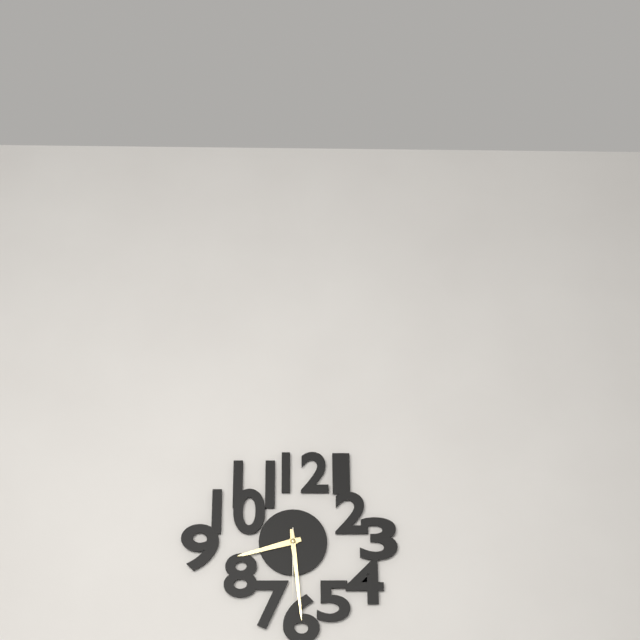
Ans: 8:29:30
